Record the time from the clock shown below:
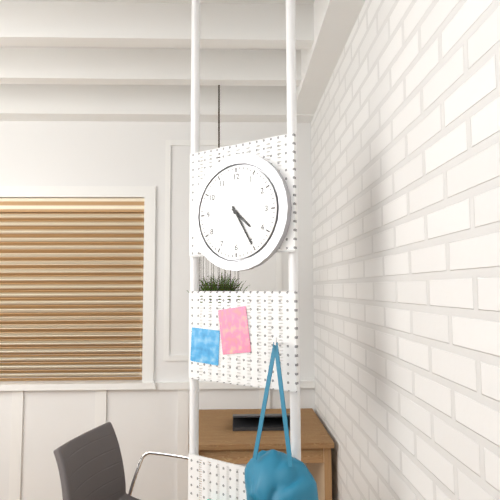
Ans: 4:25
